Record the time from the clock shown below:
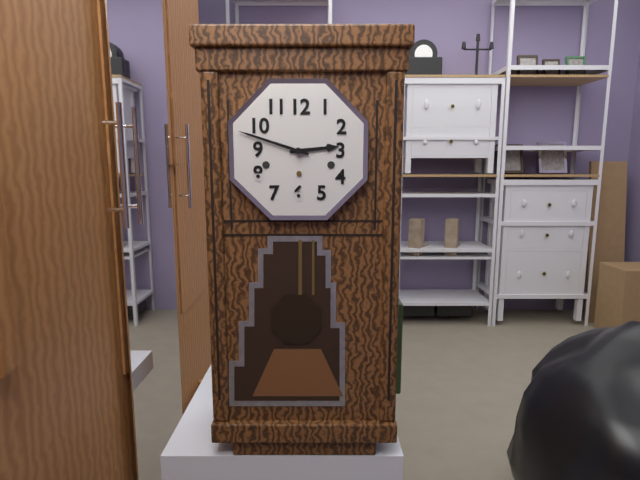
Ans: 2:48
